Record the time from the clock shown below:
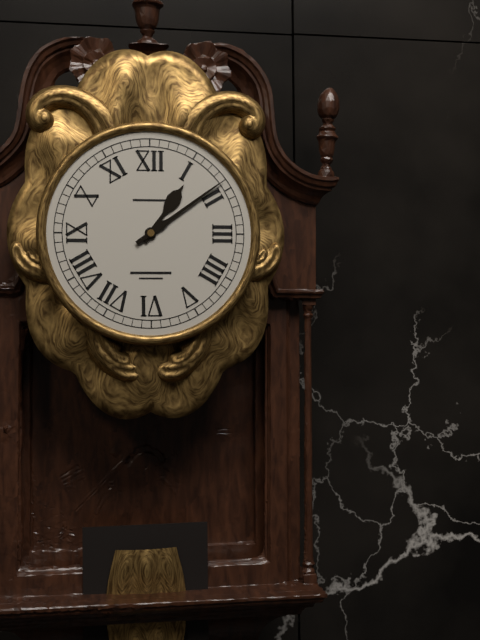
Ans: 1:09
